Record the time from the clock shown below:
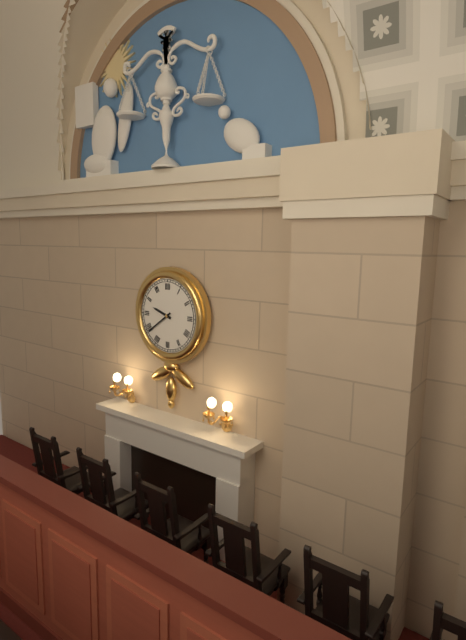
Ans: 9:39
